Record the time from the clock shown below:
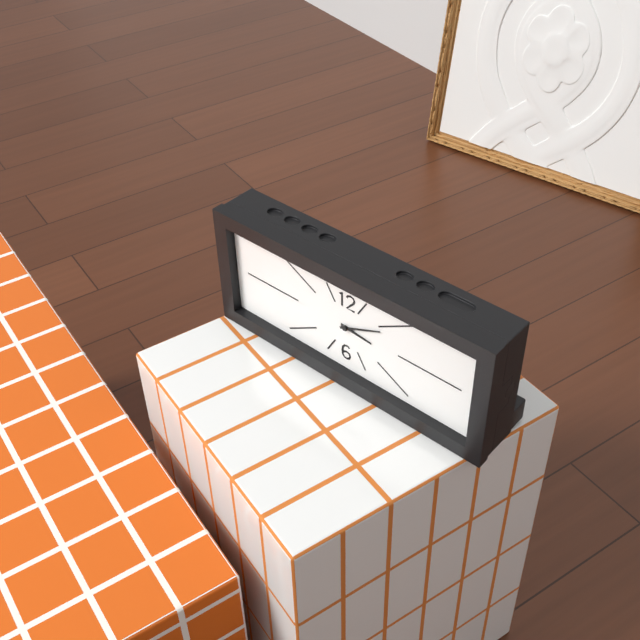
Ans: 3:11
